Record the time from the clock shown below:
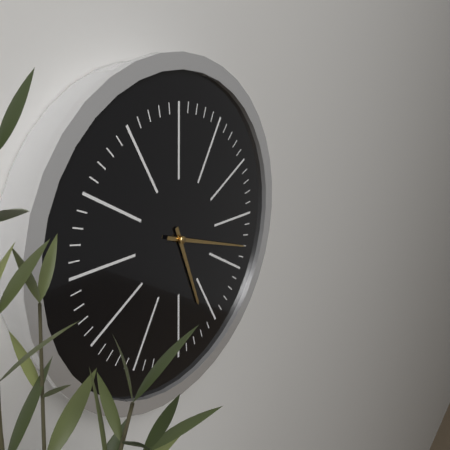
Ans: 5:18
